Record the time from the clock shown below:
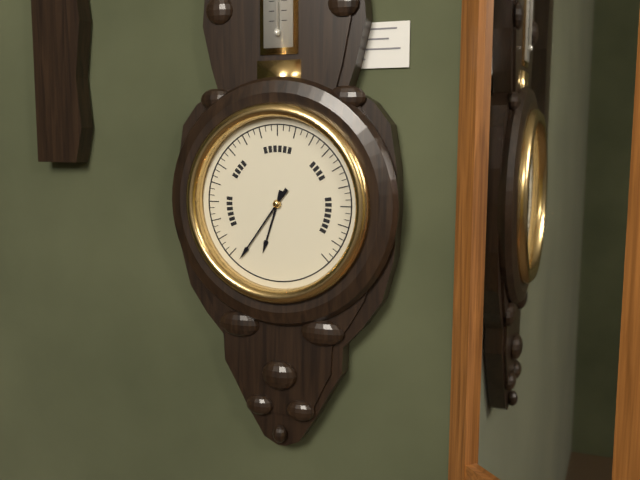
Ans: 6:36
